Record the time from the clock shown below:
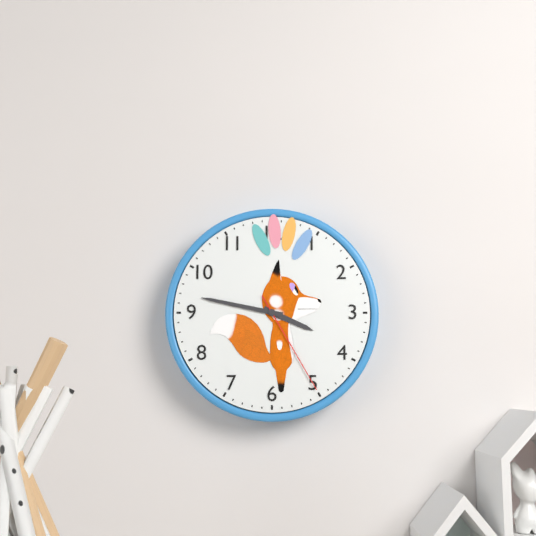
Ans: 3:47:25
